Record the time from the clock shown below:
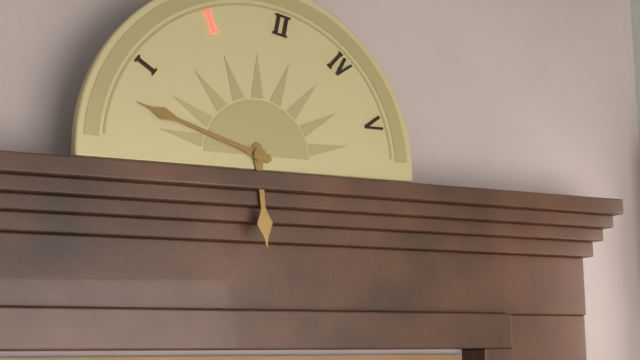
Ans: 5:48
